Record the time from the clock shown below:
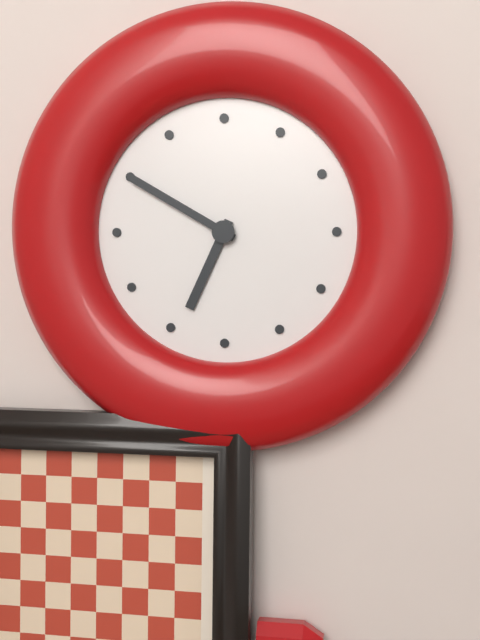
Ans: 6:50
